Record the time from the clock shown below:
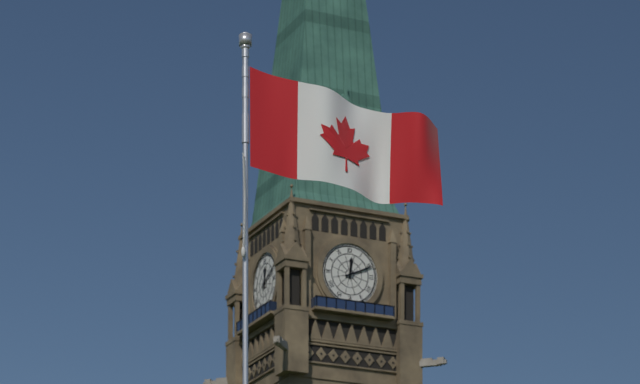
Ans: 12:11
